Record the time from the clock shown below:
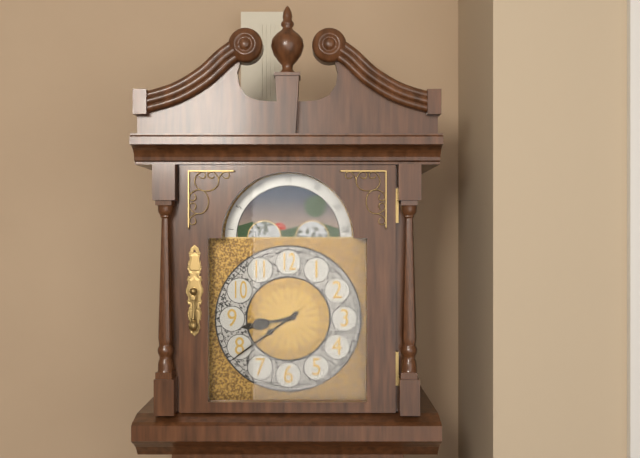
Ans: 8:39
